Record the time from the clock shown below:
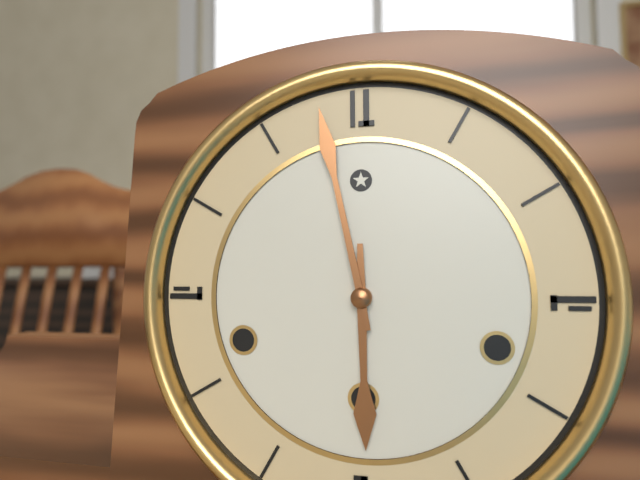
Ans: 5:58
